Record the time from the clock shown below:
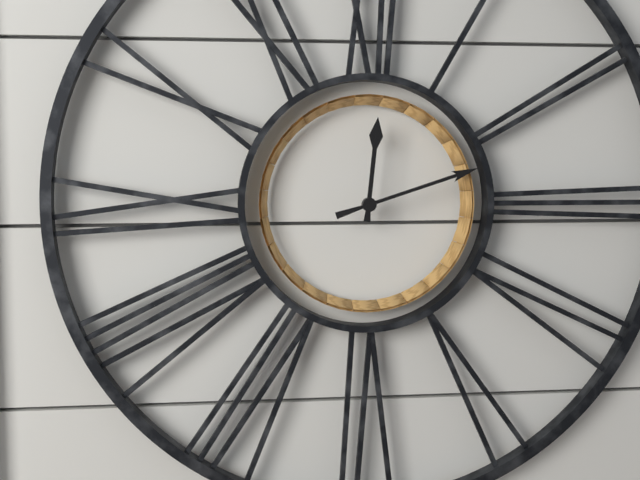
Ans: 12:12
